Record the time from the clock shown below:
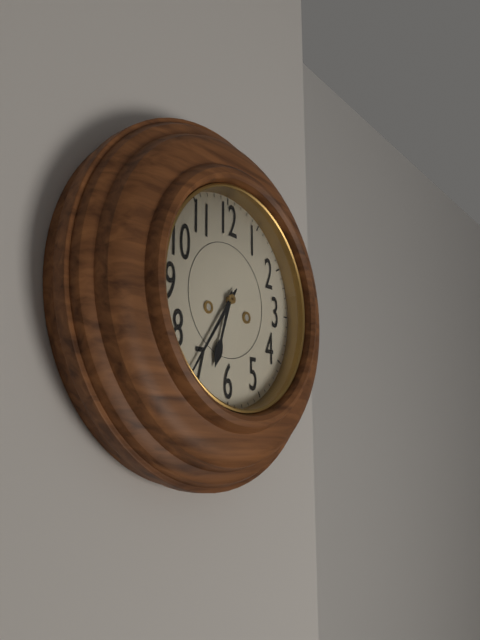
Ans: 6:36
